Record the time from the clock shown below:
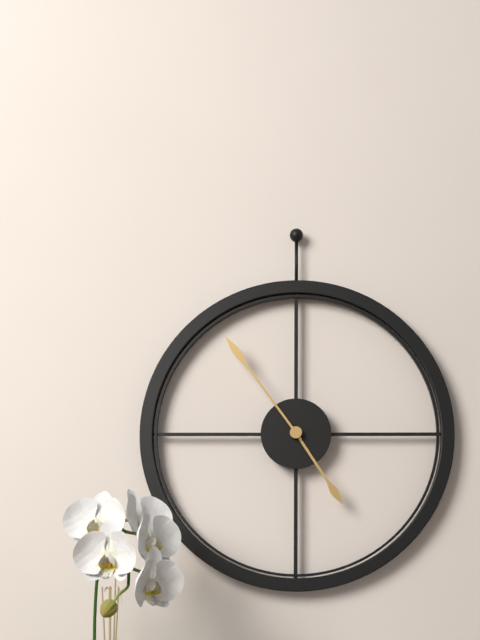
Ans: 4:54
